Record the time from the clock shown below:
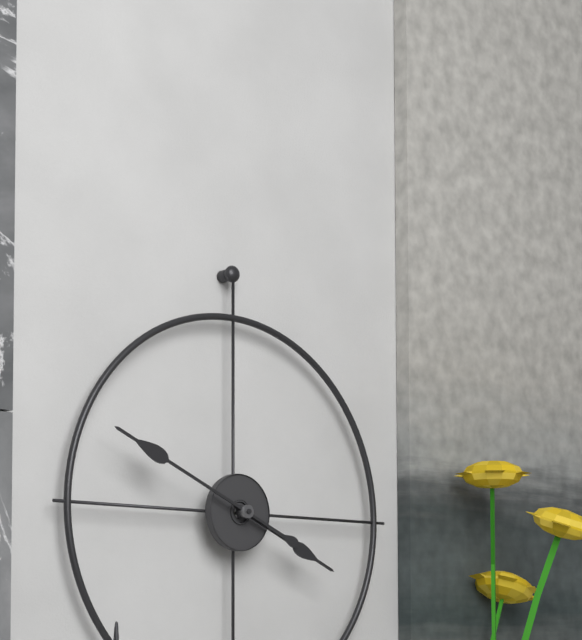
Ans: 3:49
